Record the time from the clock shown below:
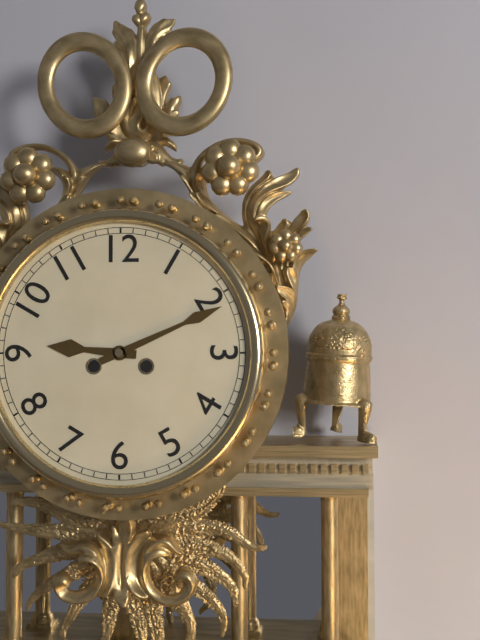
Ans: 9:11
